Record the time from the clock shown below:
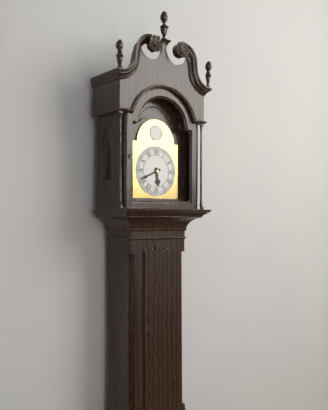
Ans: 5:41
